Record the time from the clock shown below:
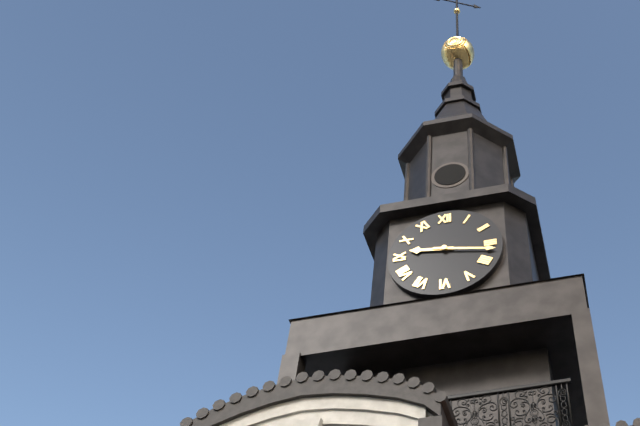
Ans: 9:17
